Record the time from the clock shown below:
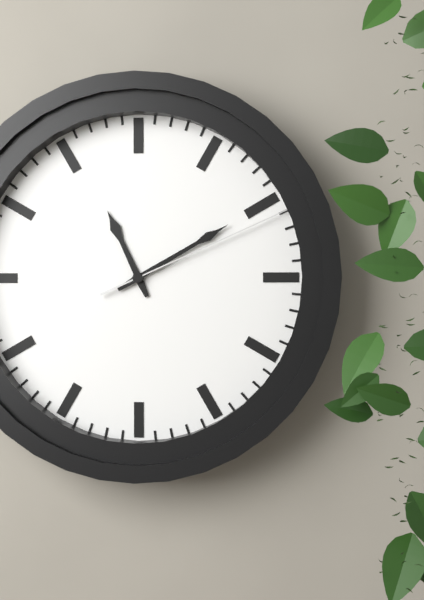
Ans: 11:10:11
